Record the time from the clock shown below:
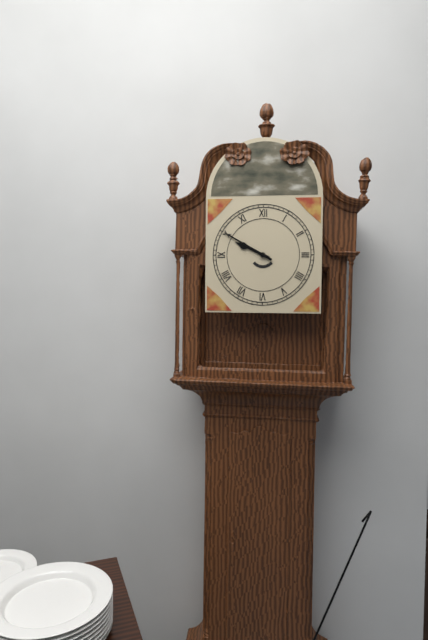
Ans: 9:50
